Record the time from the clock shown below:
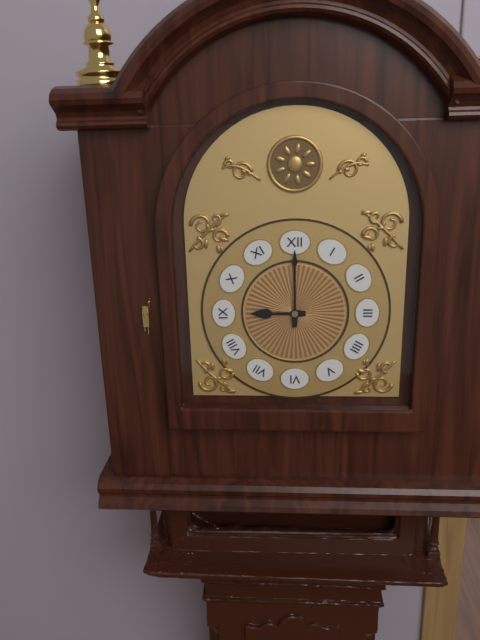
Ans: 9:00
